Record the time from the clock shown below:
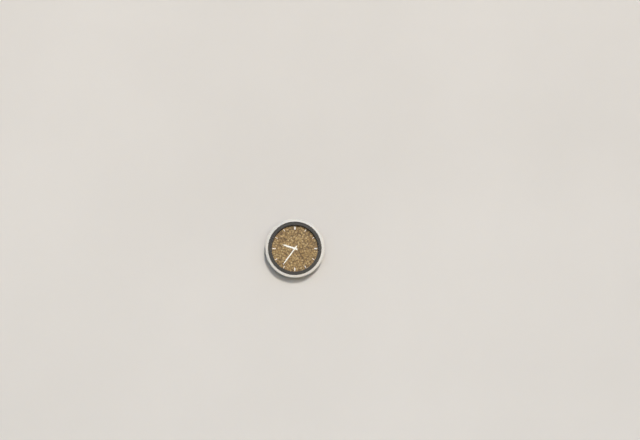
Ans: 9:36
